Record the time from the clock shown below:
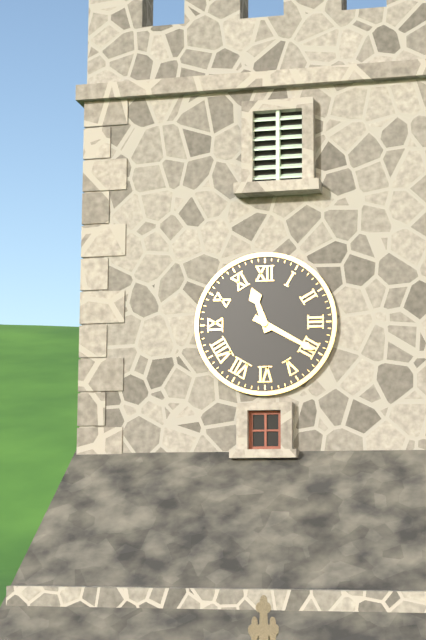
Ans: 11:20
